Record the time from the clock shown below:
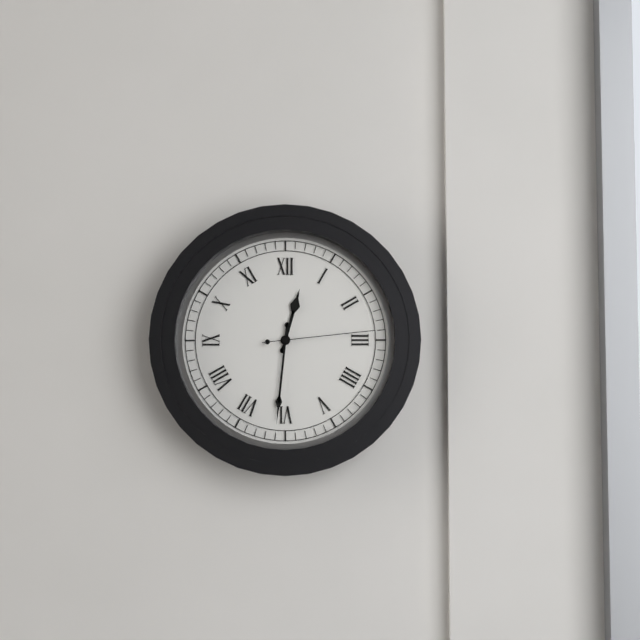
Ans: 12:31:14
